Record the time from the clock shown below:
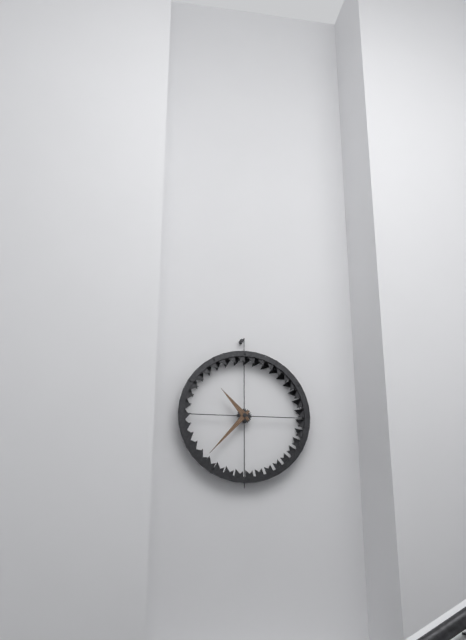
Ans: 10:37
